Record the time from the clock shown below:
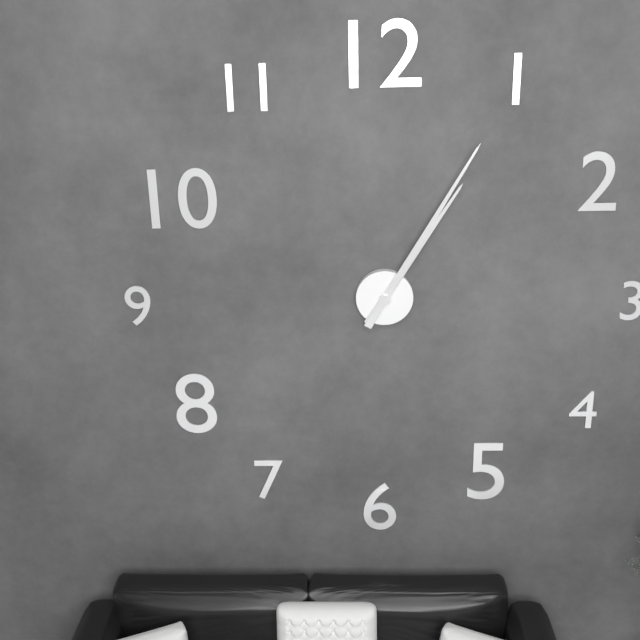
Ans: 1:05
